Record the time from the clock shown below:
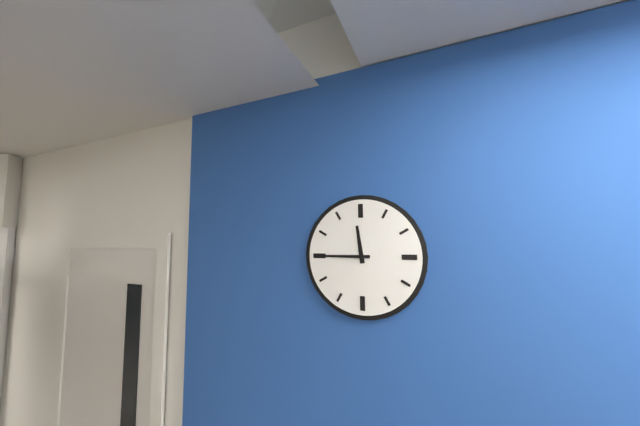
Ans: 11:45
